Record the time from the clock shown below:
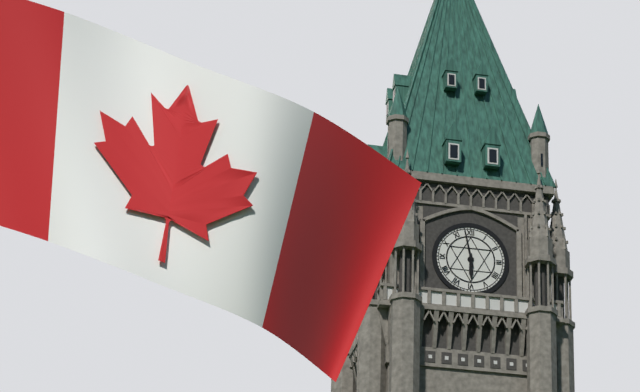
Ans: 5:58
